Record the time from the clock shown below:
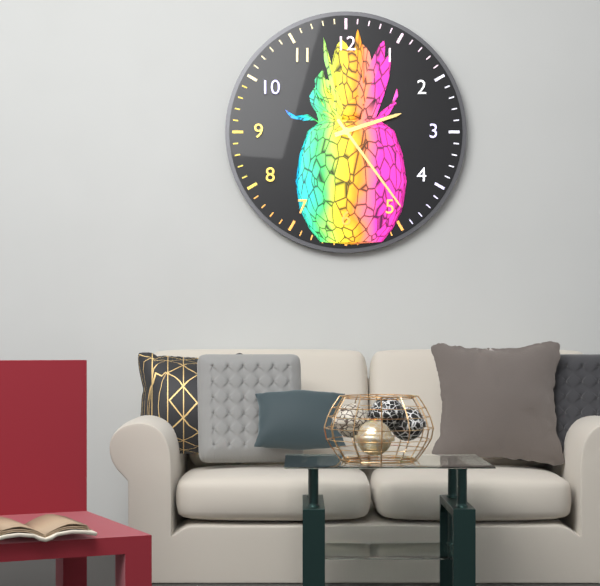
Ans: 2:24
